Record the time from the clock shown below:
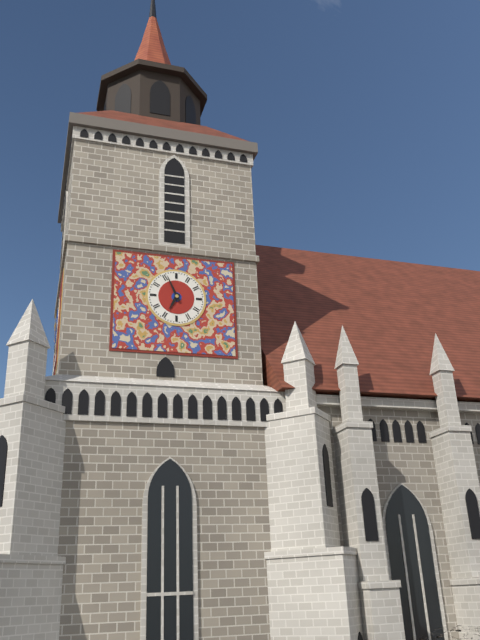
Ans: 6:56
